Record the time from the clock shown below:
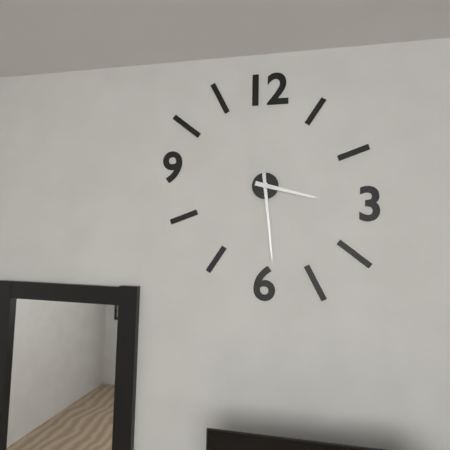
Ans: 3:29
